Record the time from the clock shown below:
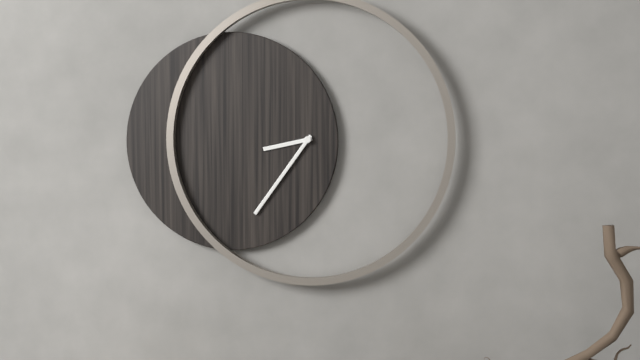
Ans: 8:36
